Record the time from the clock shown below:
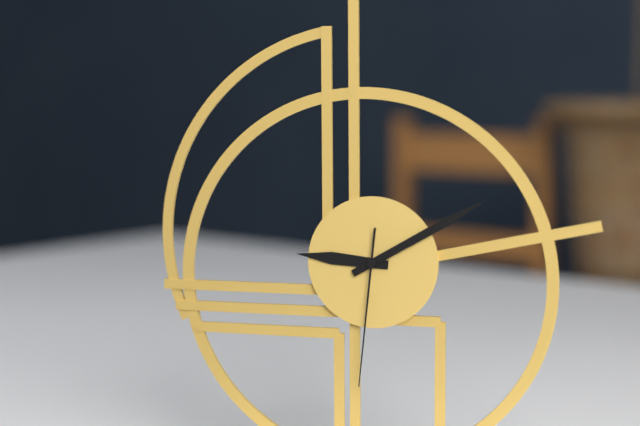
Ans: 9:10:31
